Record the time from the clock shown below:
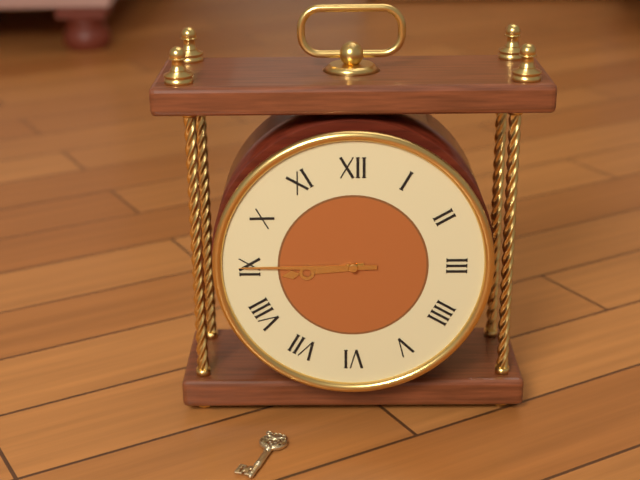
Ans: 8:45
